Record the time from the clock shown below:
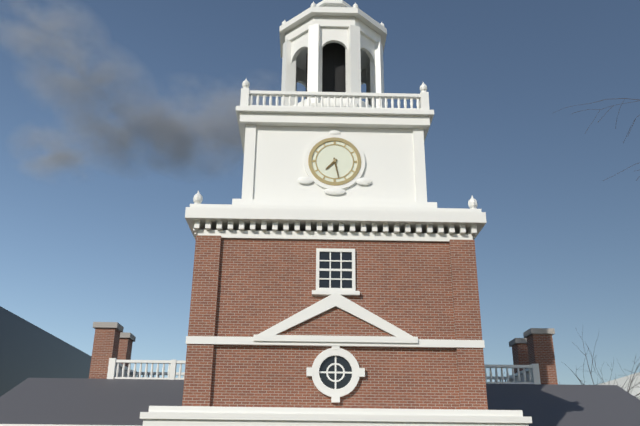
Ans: 7:28
